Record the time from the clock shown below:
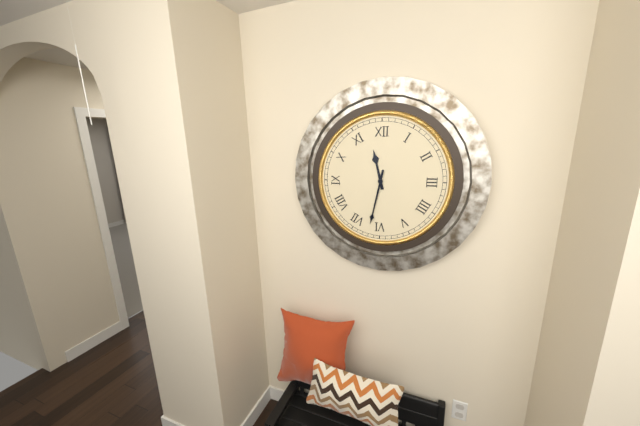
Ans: 11:32
